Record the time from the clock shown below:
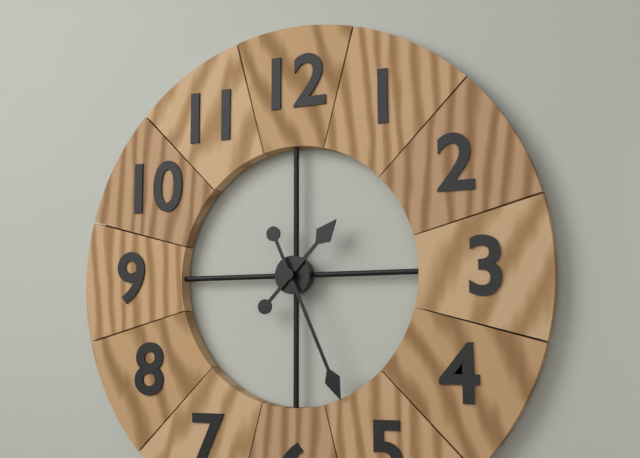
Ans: 1:26
